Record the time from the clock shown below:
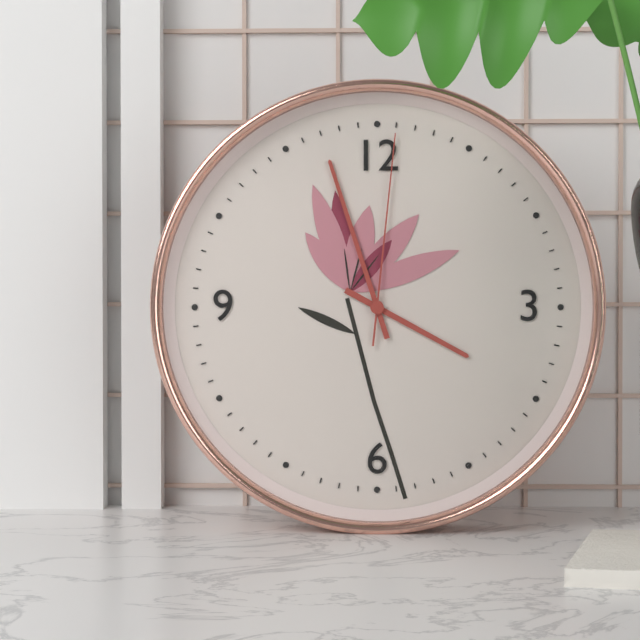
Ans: 3:57:01
